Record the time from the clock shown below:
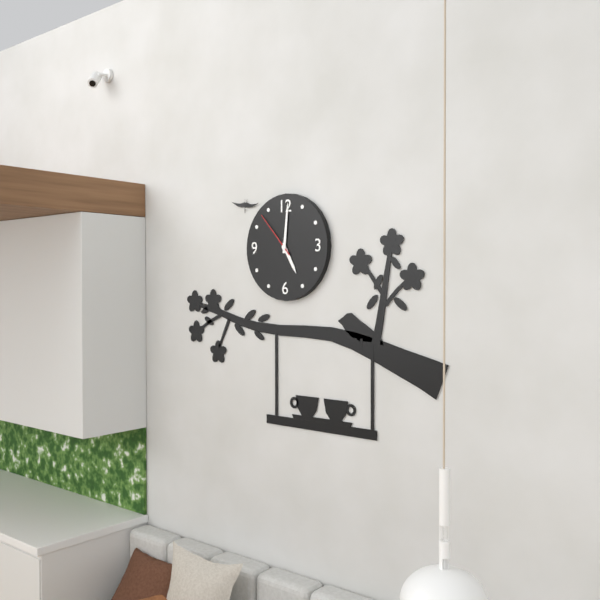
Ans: 5:01:53
